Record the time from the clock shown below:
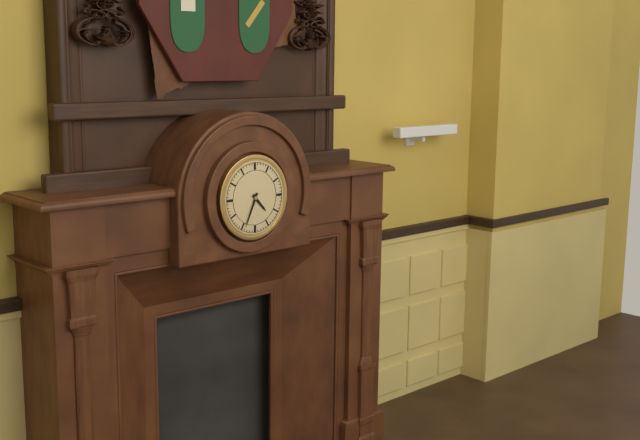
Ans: 4:34
